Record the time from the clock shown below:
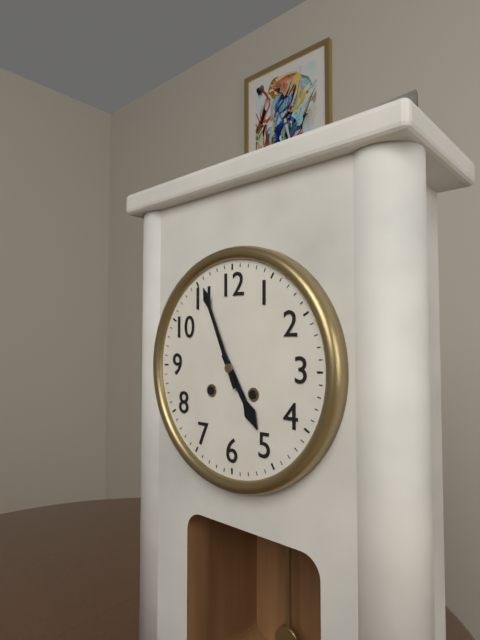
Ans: 4:56
